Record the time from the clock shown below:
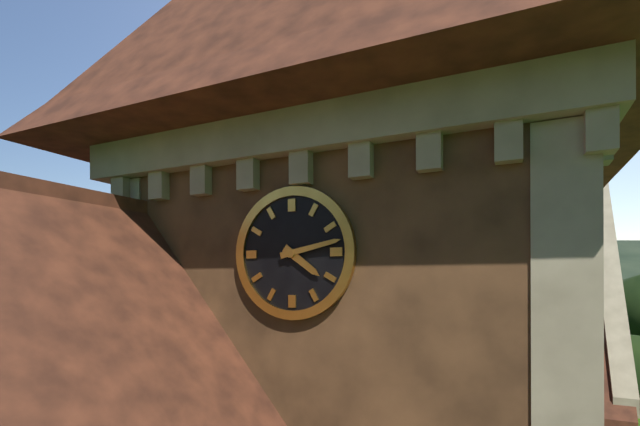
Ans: 4:13
